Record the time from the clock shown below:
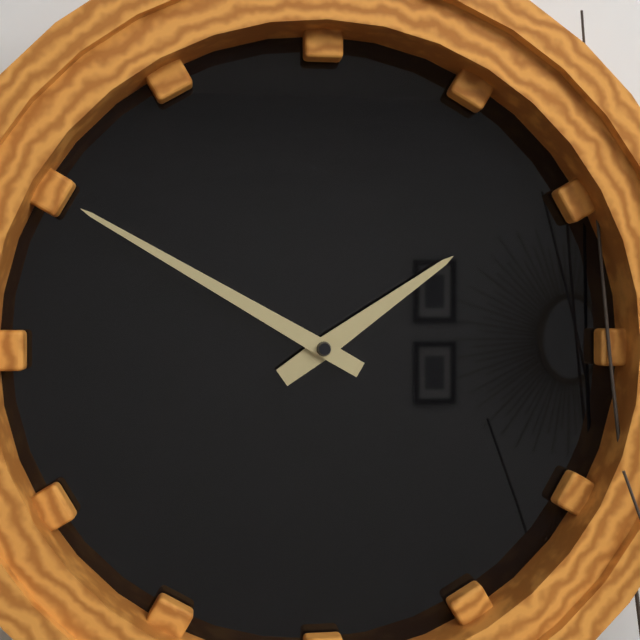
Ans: 1:50
